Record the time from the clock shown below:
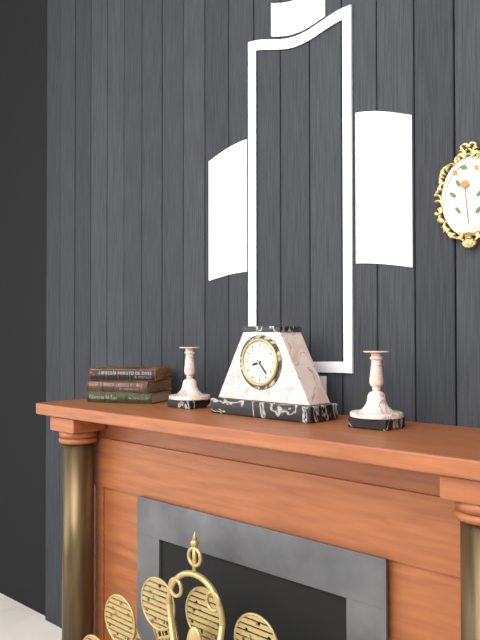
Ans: 8:23
